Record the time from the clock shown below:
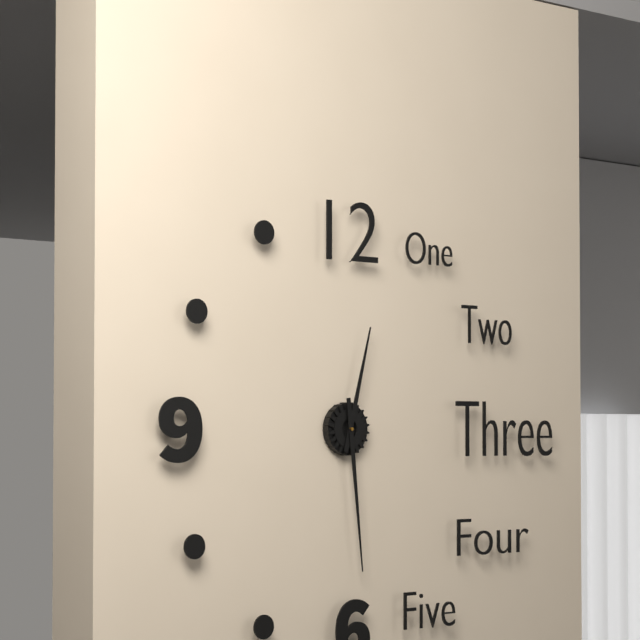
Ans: 12:29
